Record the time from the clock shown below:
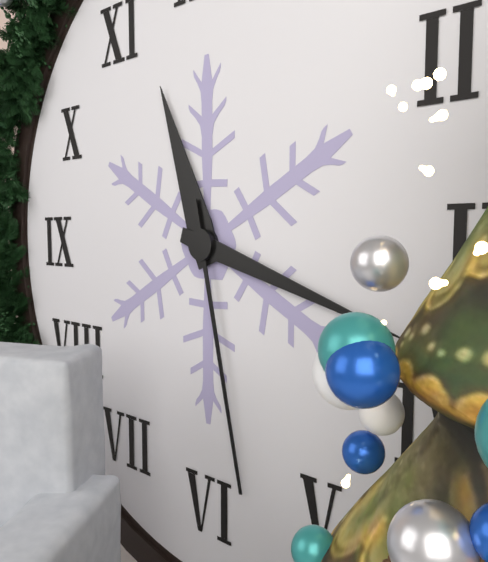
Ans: 11:18:28
